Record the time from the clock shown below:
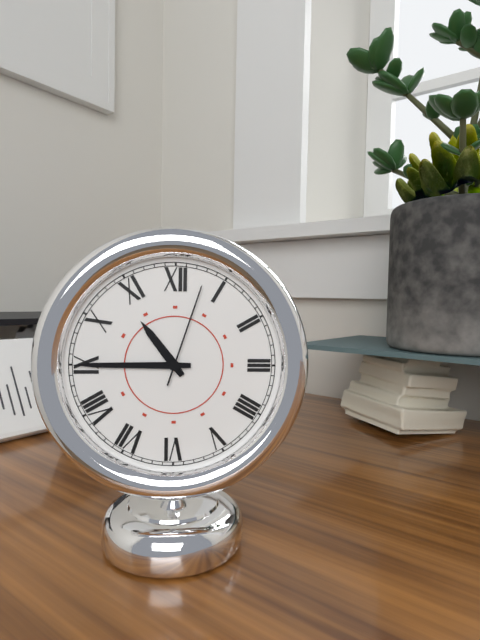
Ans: 10:45:03
